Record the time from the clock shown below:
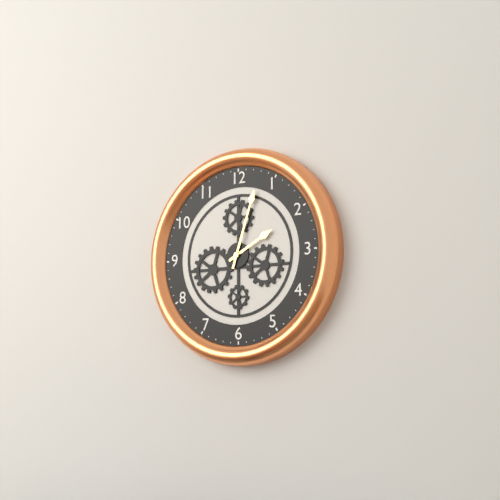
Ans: 2:03
